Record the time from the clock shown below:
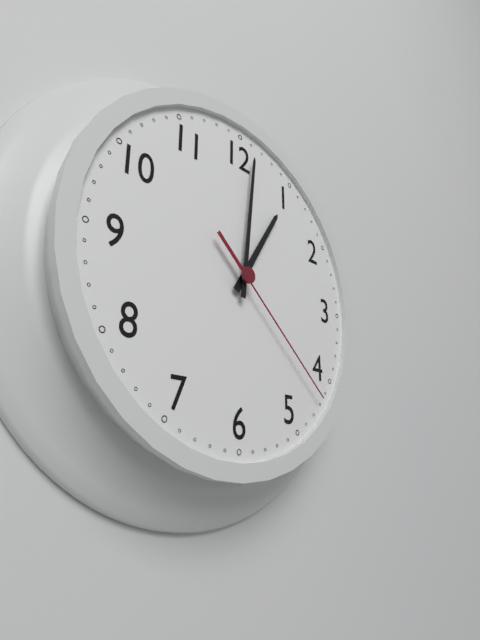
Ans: 1:01:22
